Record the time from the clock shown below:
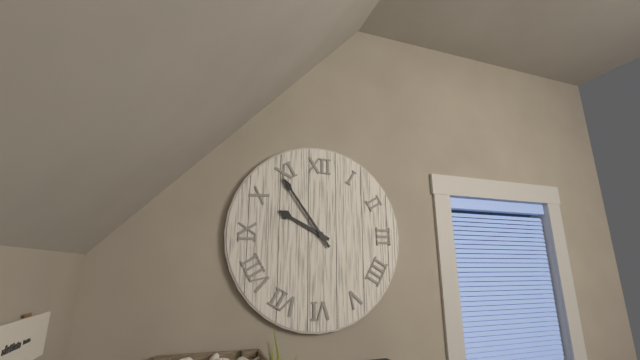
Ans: 9:54
